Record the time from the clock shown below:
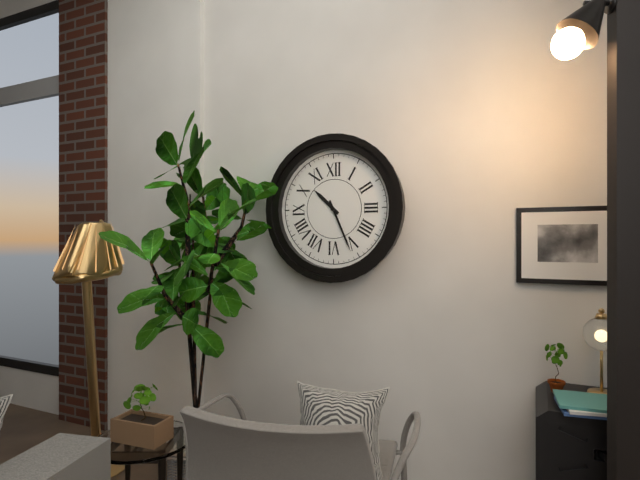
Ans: 10:26
